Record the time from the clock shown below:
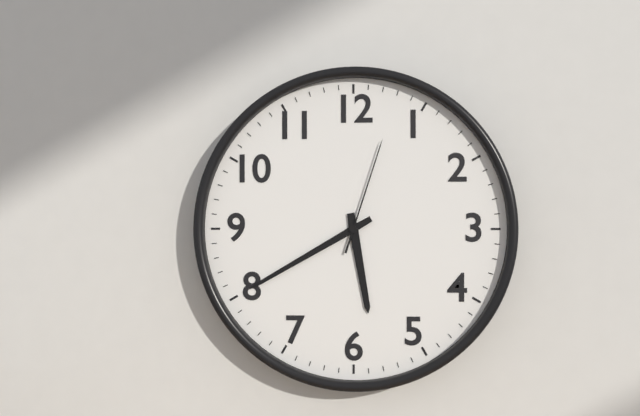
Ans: 5:40:03
